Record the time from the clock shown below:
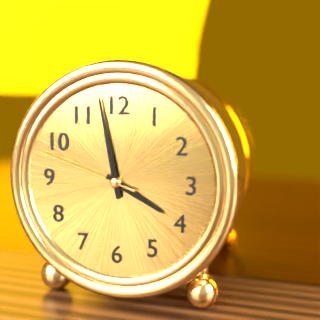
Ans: 3:58:48
